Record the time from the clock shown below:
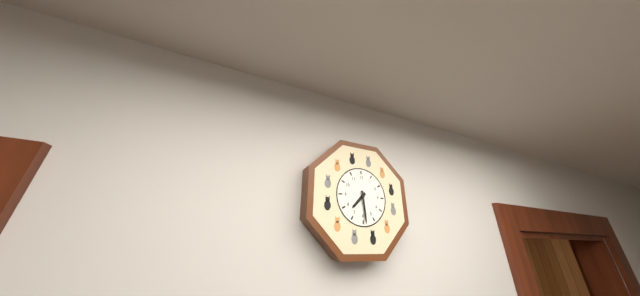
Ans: 7:29
